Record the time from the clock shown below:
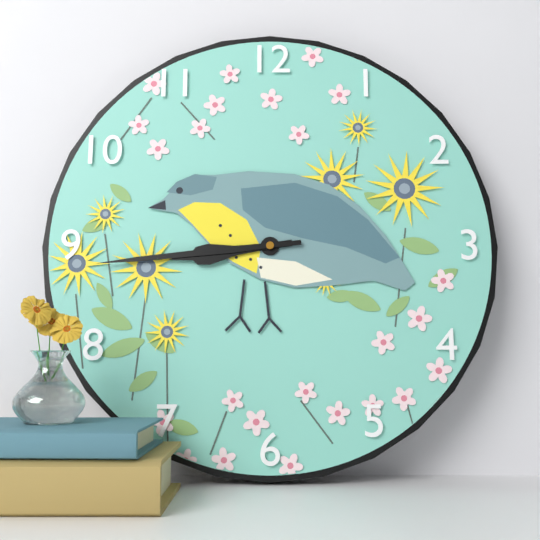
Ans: 8:44
